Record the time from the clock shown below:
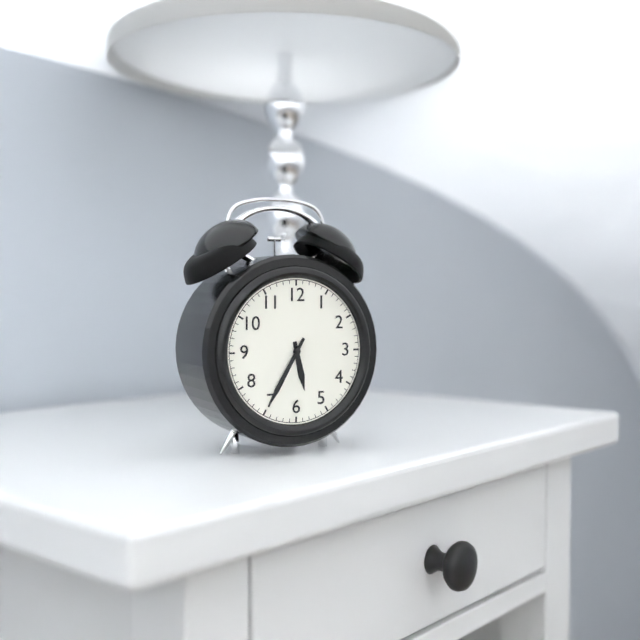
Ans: 5:35
